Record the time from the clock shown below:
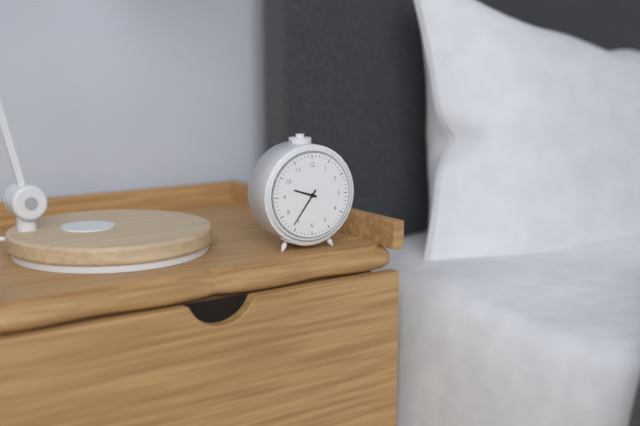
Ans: 9:36
